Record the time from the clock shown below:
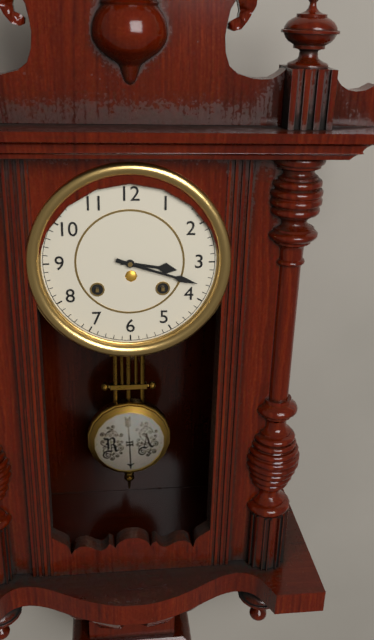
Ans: 3:18
